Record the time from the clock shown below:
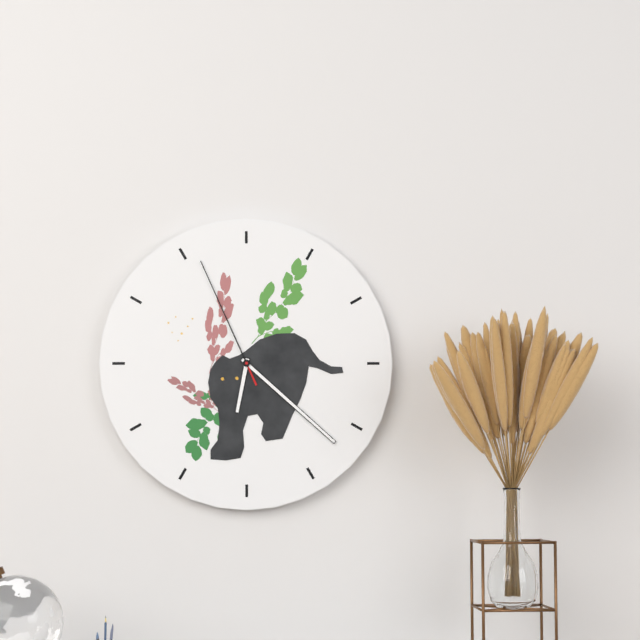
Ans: 6:22:56
